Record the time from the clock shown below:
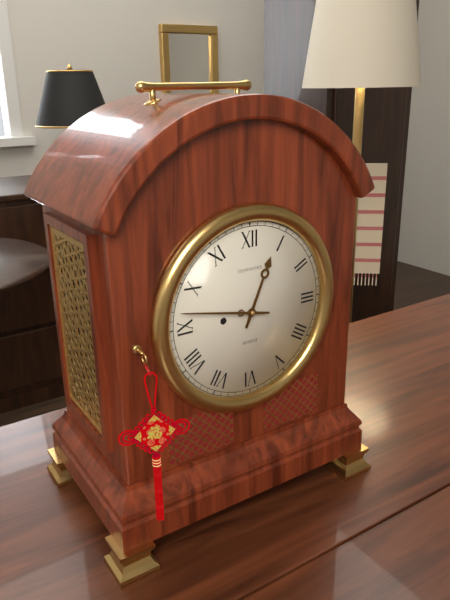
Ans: 12:47
